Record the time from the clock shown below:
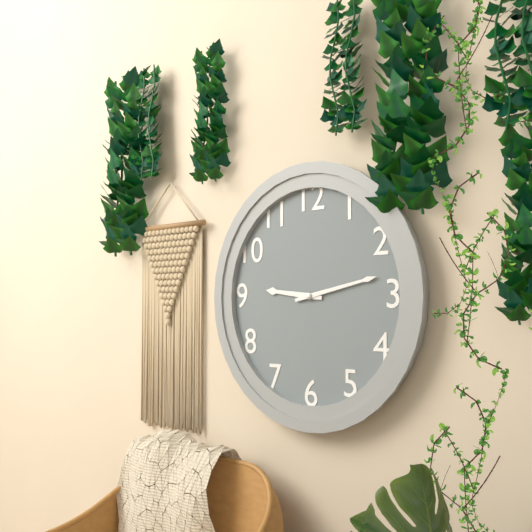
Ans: 9:13
